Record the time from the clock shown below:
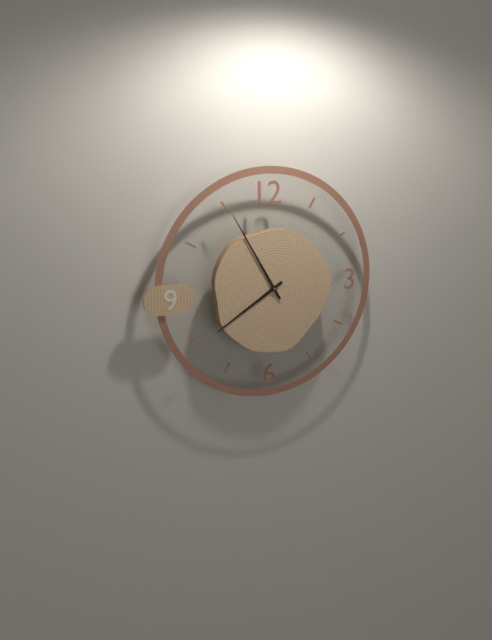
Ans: 7:55
